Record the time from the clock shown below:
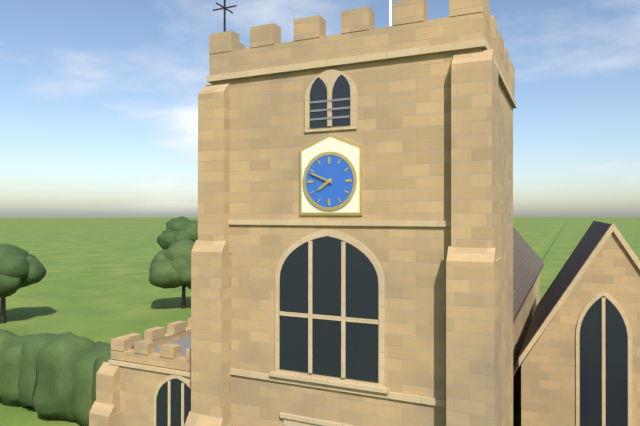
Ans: 7:49
